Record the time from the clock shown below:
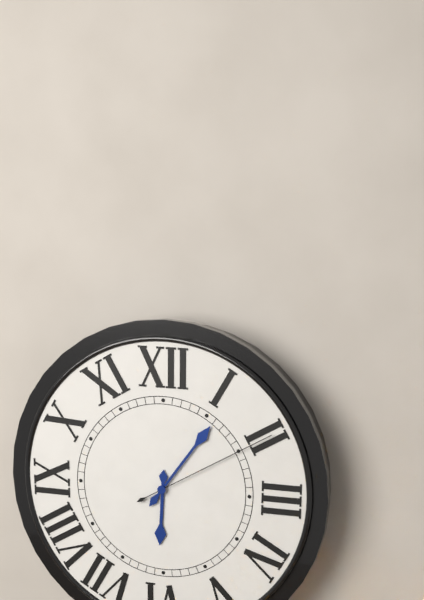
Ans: 6:06:10
